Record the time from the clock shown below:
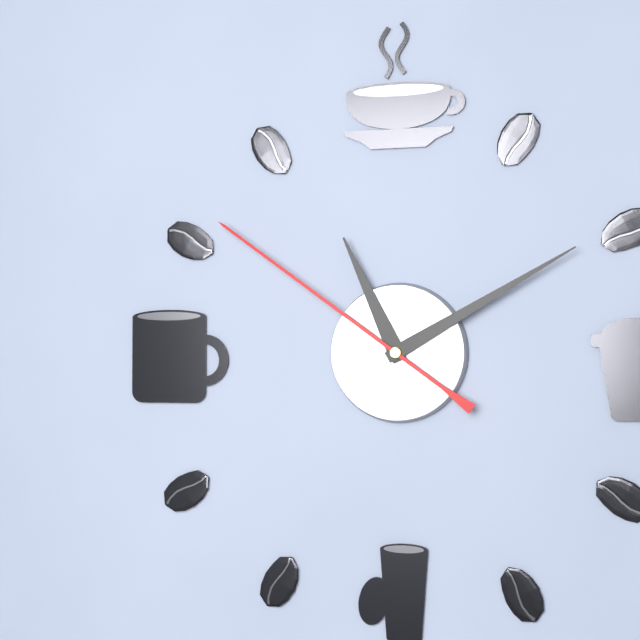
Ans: 11:10:51
